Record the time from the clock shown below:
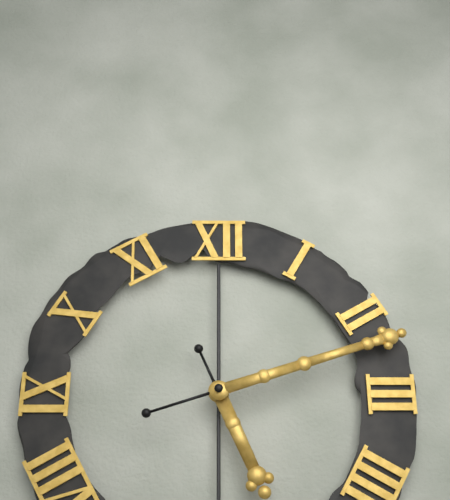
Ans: 5:12
